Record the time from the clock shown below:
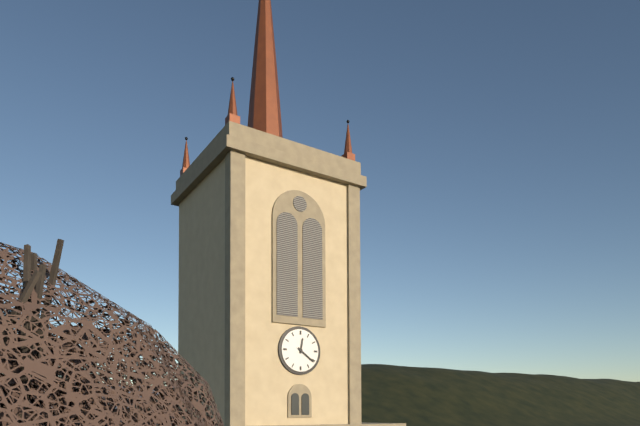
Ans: 12:21
